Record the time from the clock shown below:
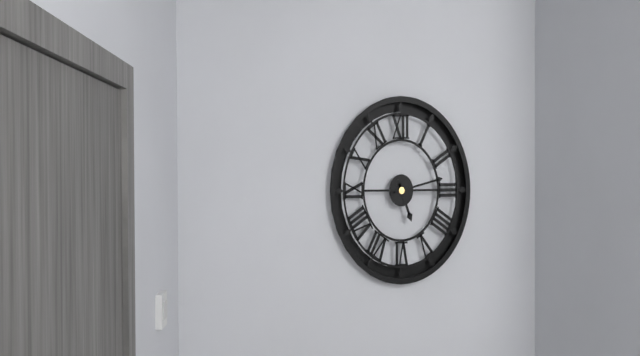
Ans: 5:13
